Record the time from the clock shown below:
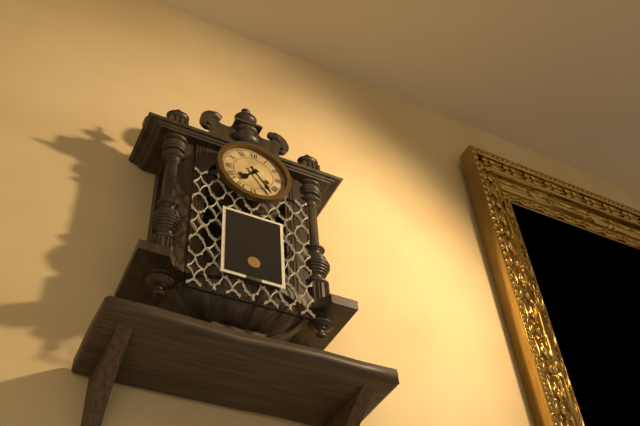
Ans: 7:24
